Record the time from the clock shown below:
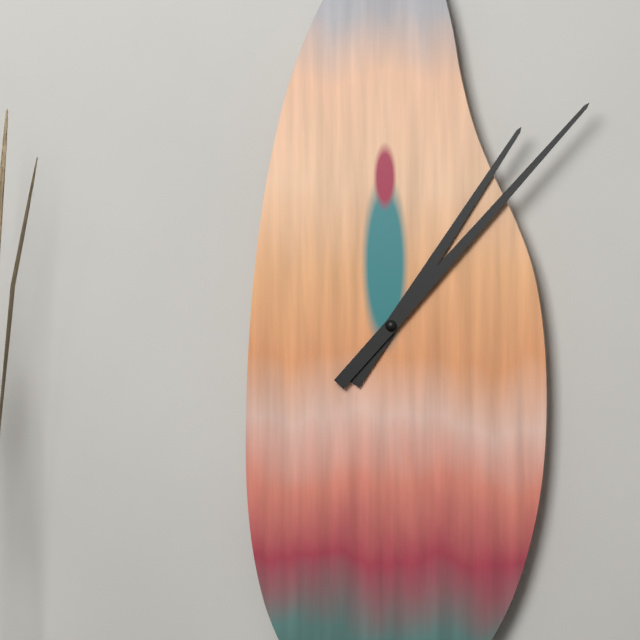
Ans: 1:07
